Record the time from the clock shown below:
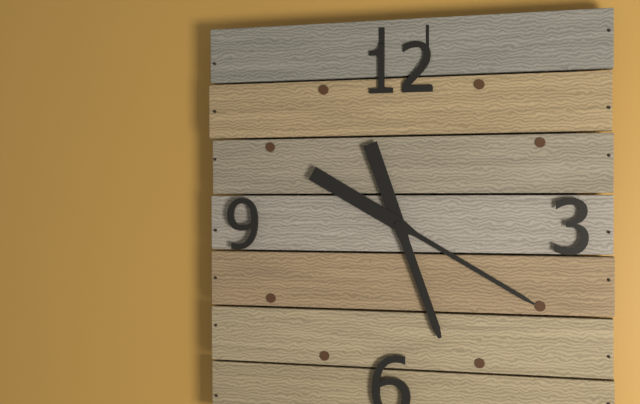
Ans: 5:20
